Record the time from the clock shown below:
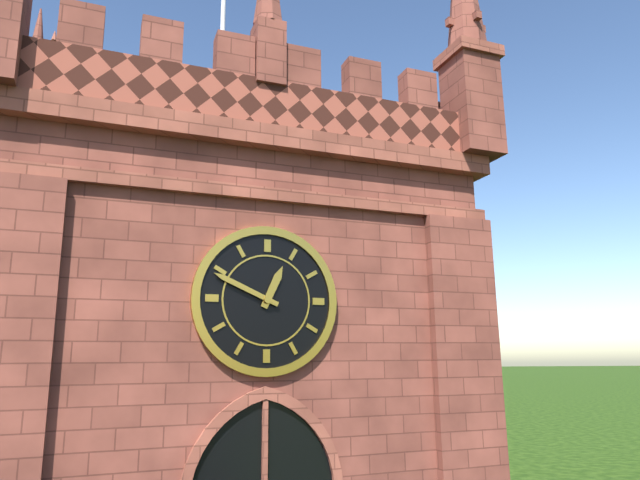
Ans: 12:49
